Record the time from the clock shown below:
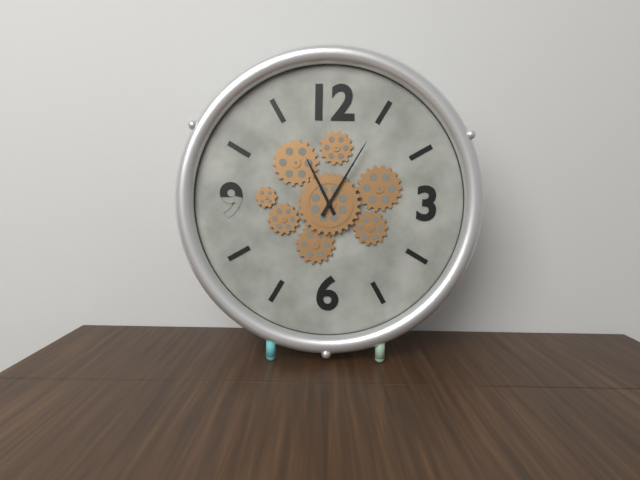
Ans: 11:05
